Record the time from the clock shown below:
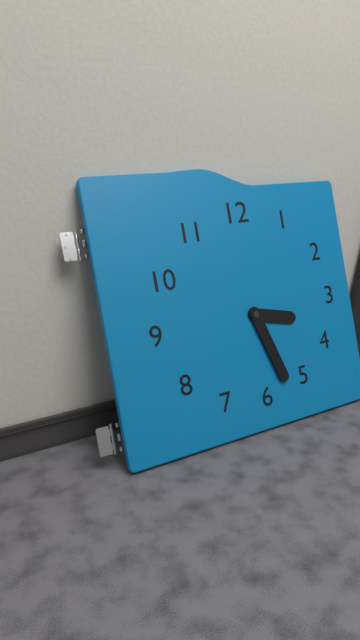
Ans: 3:27
